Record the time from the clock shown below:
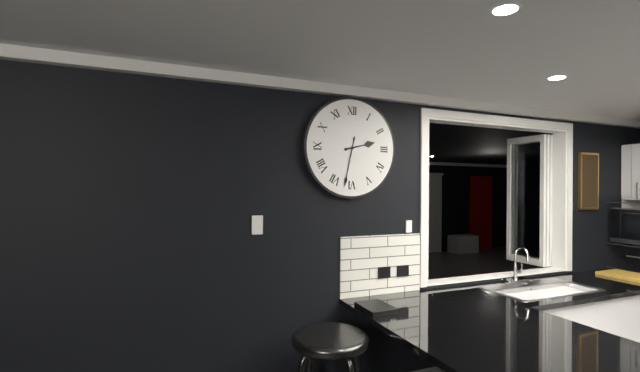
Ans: 2:32
